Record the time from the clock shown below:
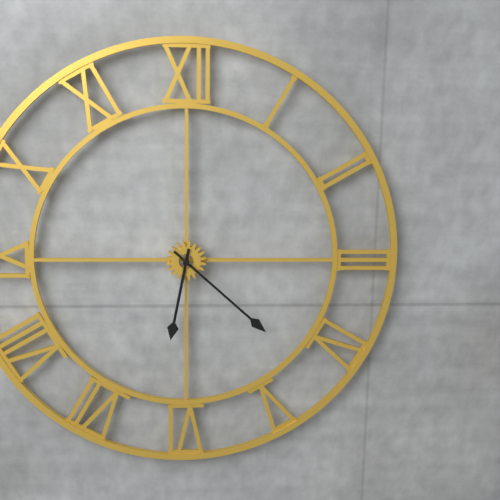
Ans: 6:22
